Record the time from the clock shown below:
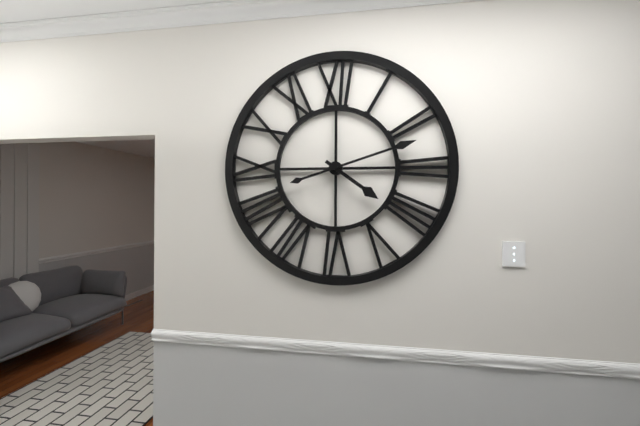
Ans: 4:12
